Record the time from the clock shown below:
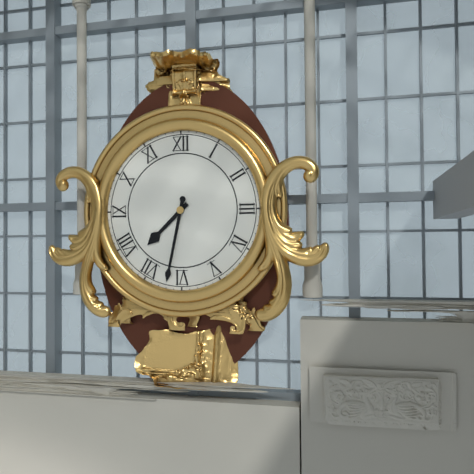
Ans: 7:32
